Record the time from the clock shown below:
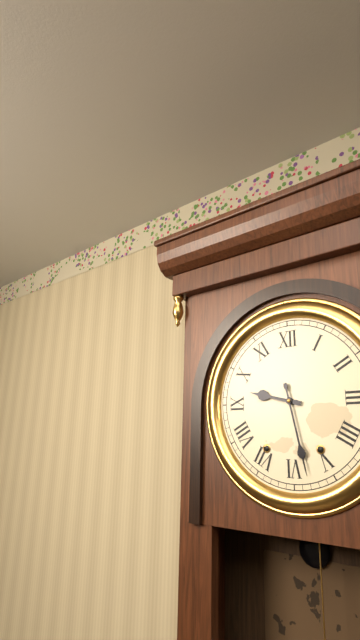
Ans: 9:28
